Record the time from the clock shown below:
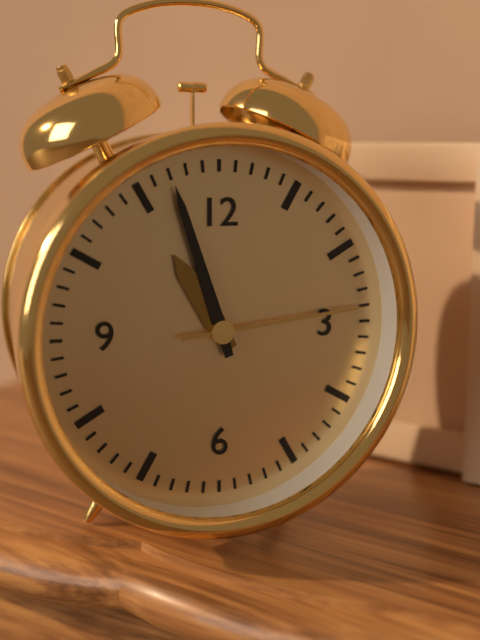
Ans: 10:57:14
